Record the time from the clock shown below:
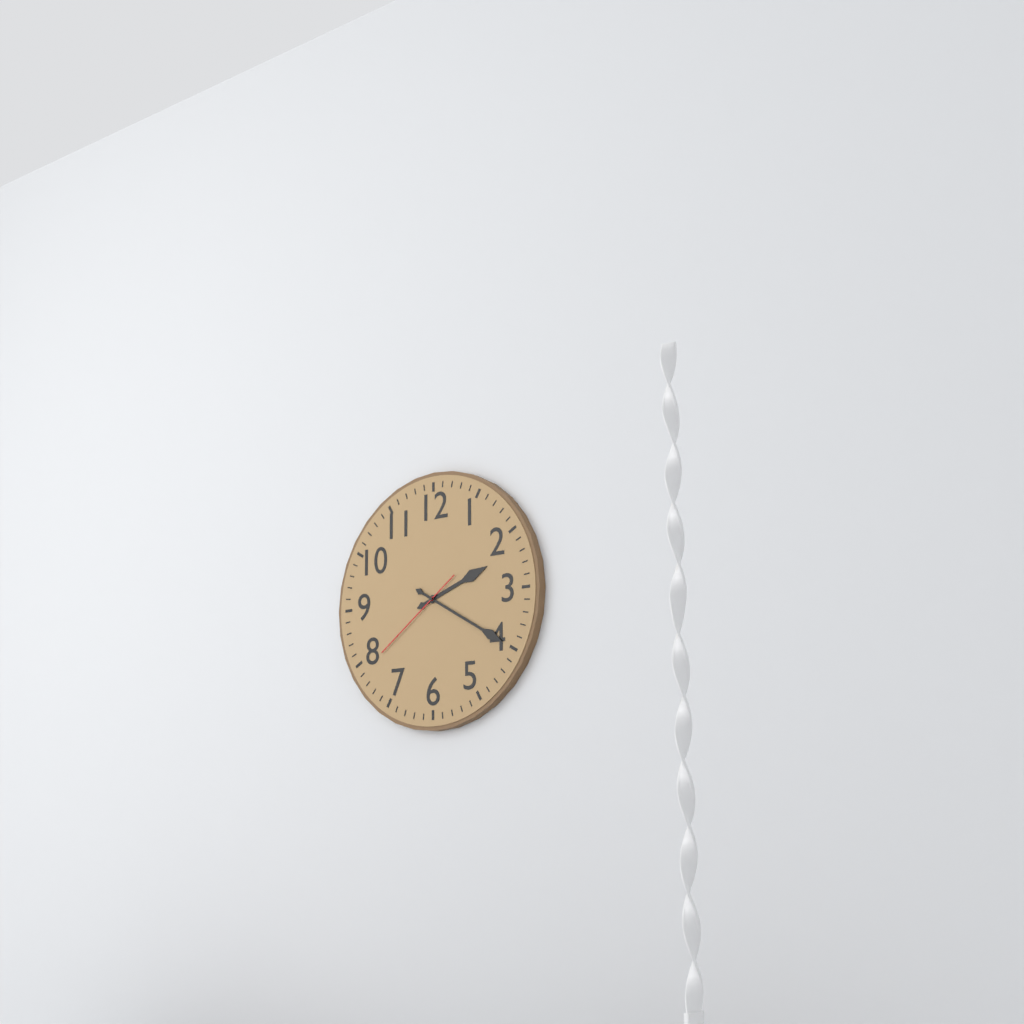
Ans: 2:20:39
